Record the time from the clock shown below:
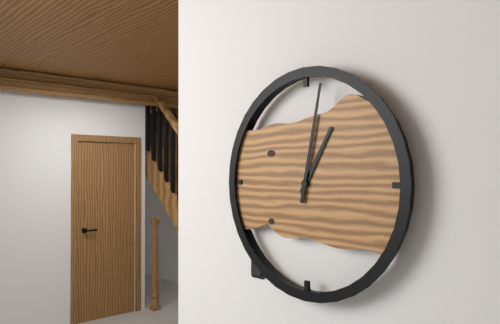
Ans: 1:02
